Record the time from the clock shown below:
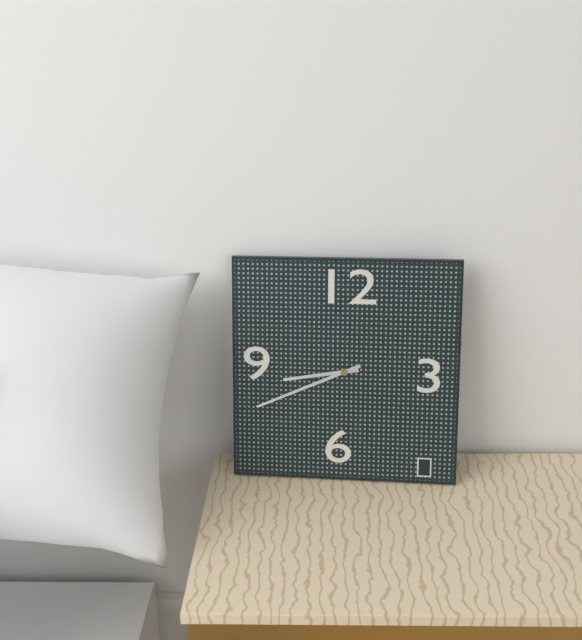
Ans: 8:41
